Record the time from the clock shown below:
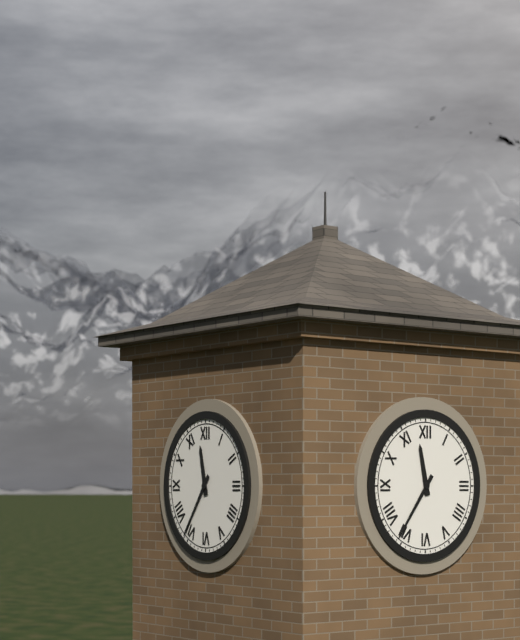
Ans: 11:36
